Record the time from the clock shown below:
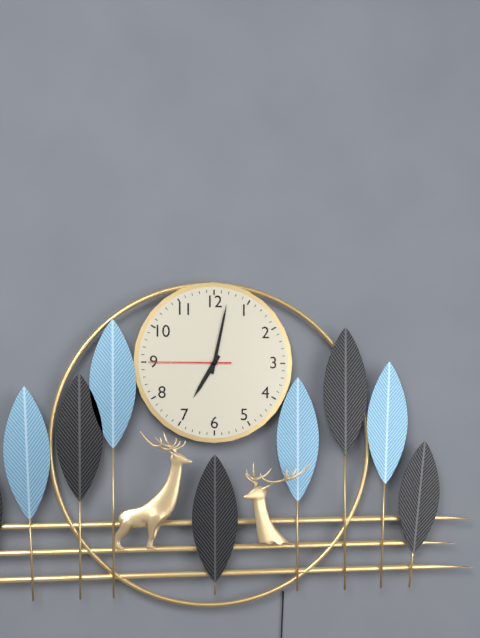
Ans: 7:02:45
